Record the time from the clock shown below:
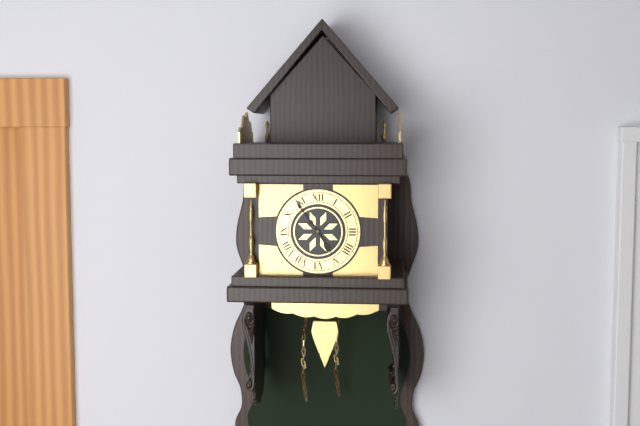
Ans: 4:54
